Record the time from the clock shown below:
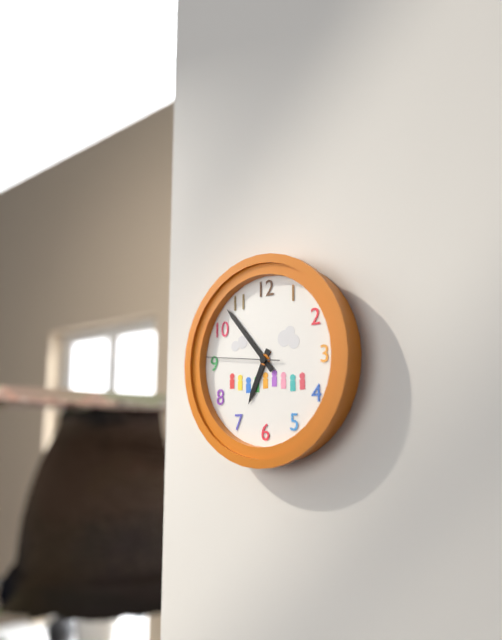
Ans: 6:53:46
